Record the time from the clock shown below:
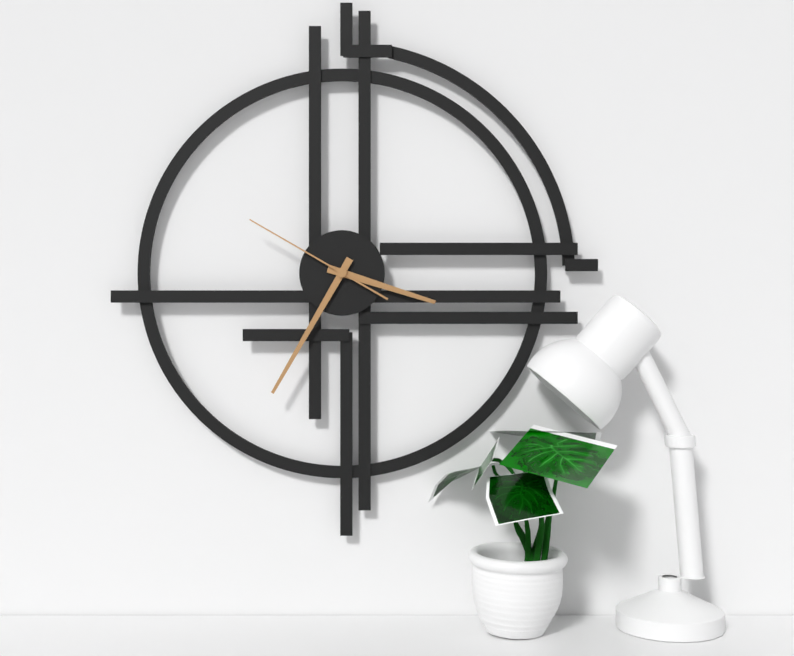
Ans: 3:35:50
